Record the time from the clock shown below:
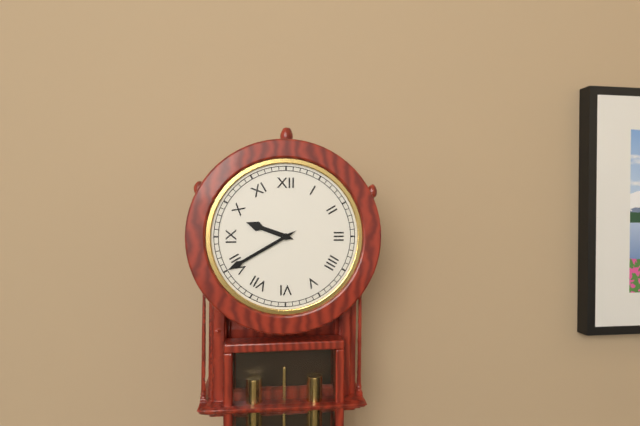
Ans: 9:40
